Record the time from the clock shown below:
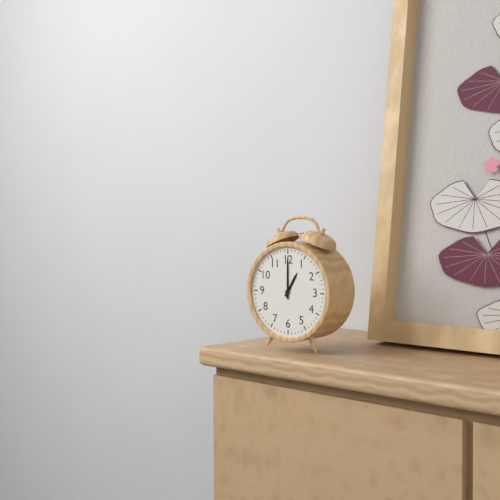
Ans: 1:00
